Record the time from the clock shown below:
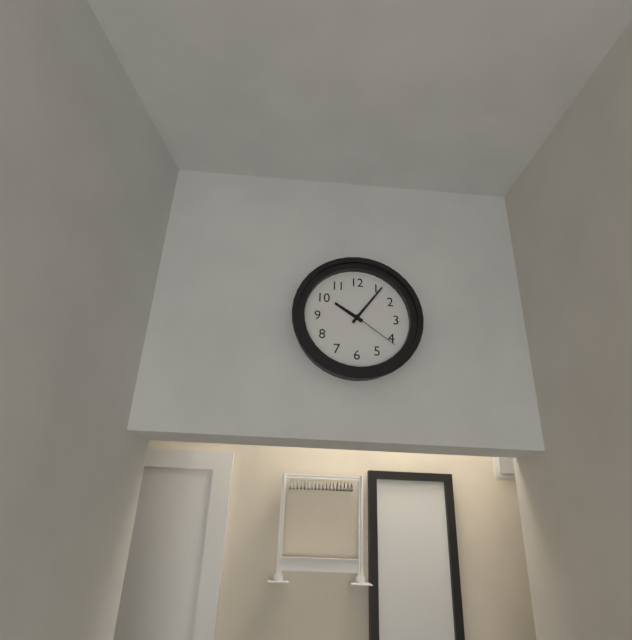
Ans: 10:06:21
